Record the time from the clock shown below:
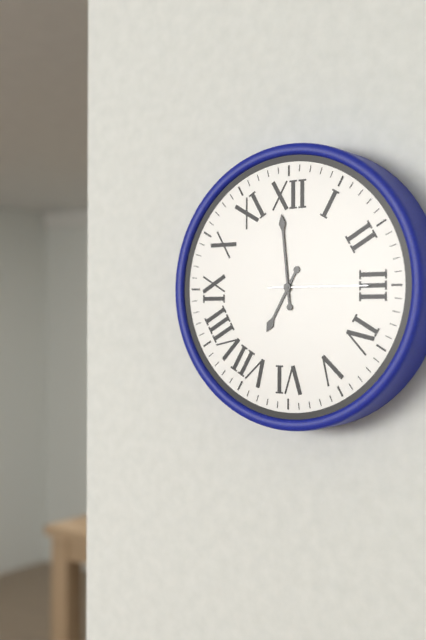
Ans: 6:59:15
